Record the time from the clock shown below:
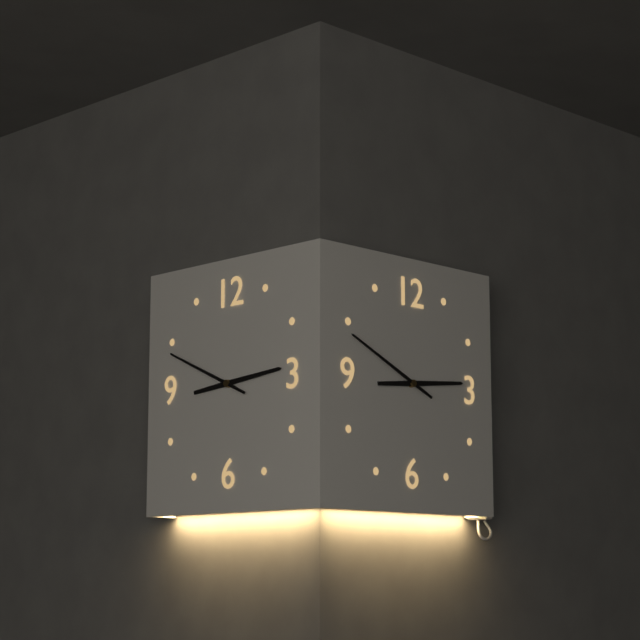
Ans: 2:49
